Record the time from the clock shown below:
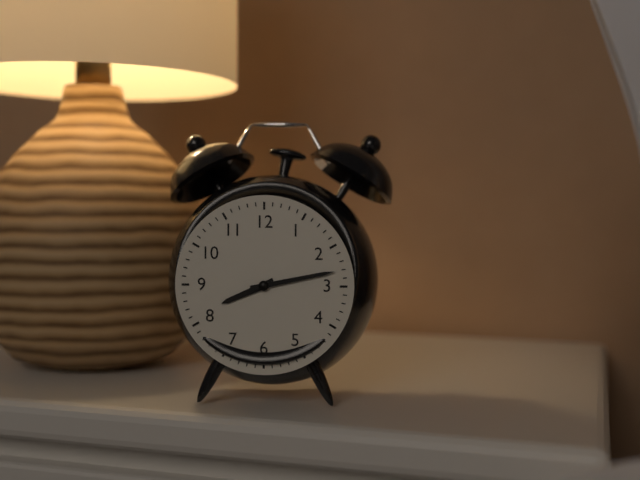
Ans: 8:13
